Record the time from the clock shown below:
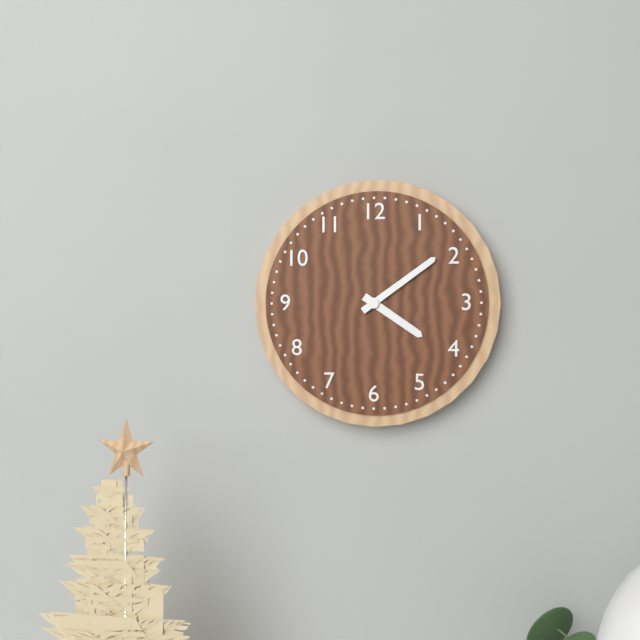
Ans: 4:09
